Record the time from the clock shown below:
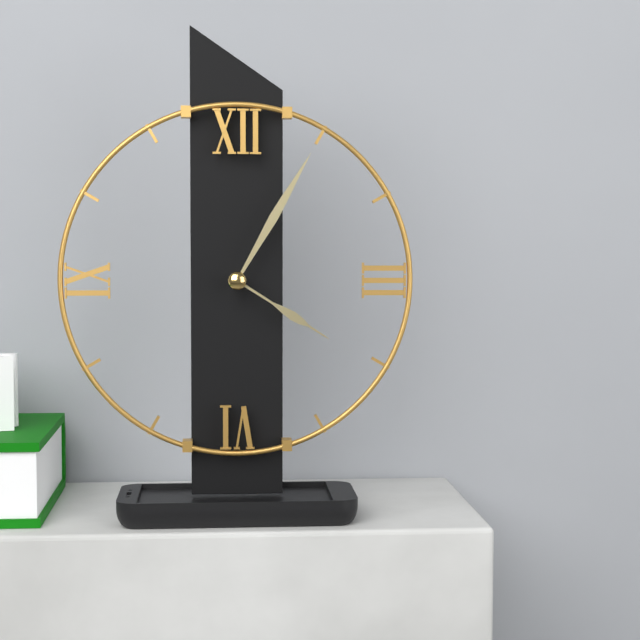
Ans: 4:05
